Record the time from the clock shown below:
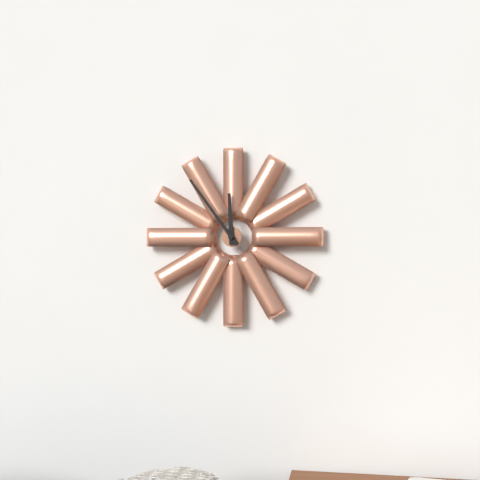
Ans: 11:54
